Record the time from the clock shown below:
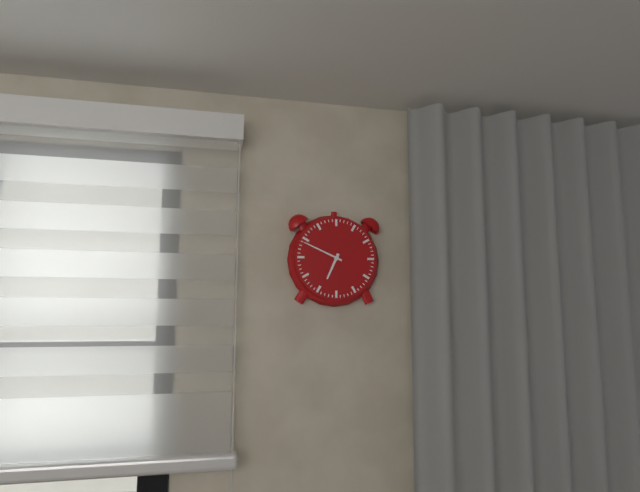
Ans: 6:49
